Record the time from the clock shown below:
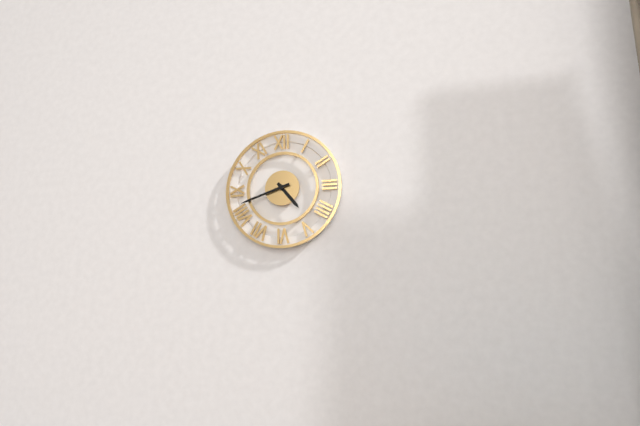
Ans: 4:42
